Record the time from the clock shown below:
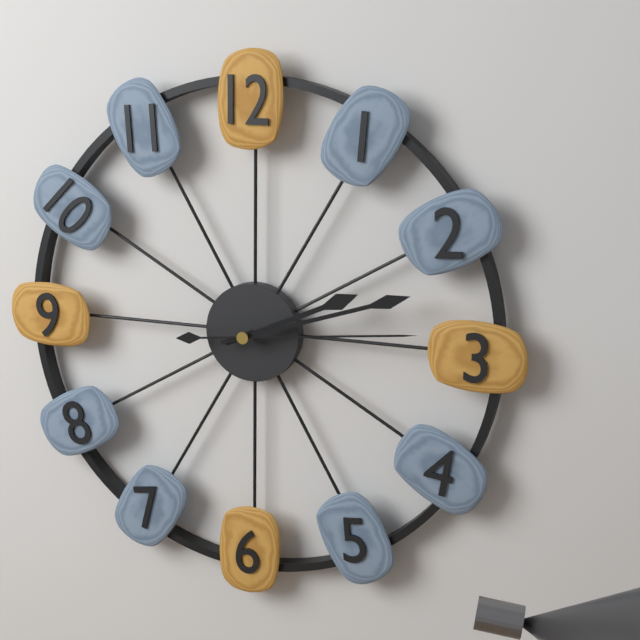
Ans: 2:12:14
